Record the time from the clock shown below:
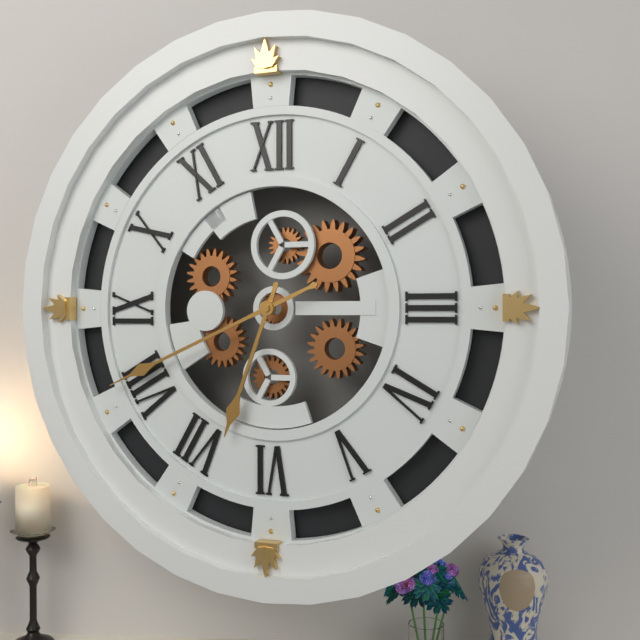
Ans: 6:41
